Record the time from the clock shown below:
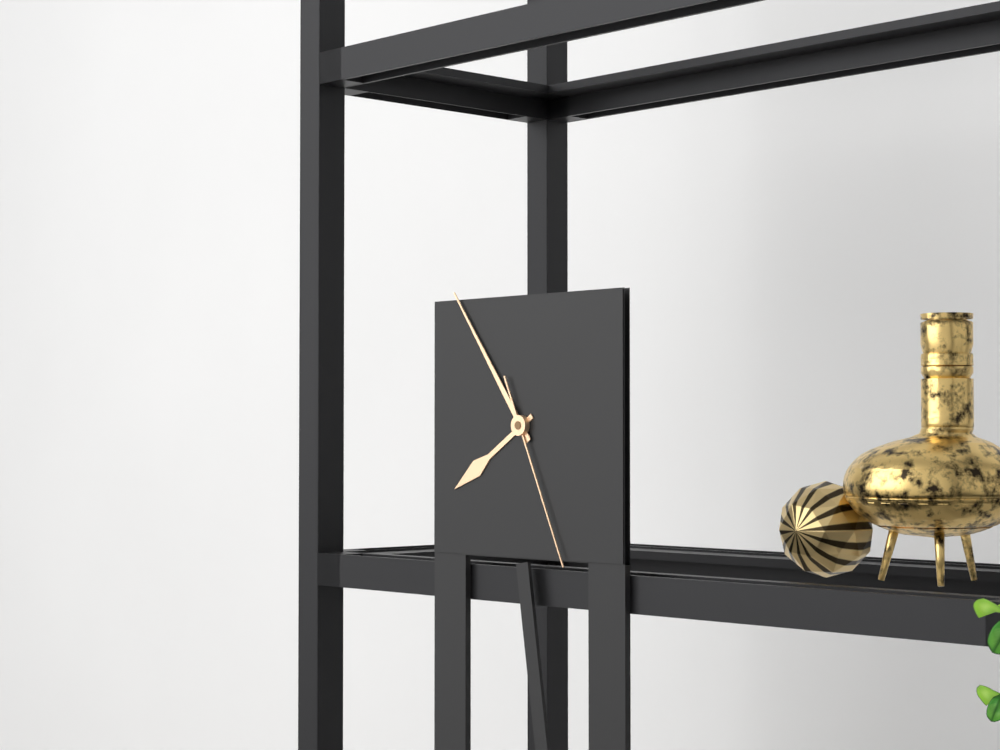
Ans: 7:54:26
